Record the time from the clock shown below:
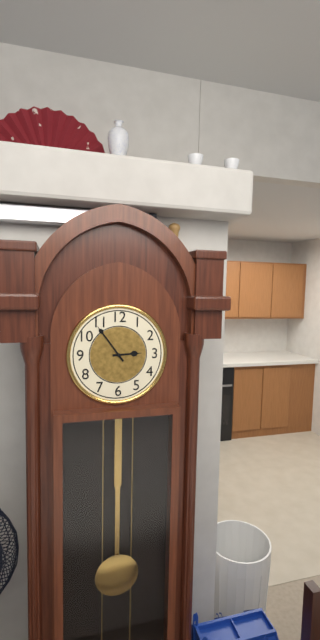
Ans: 2:54
